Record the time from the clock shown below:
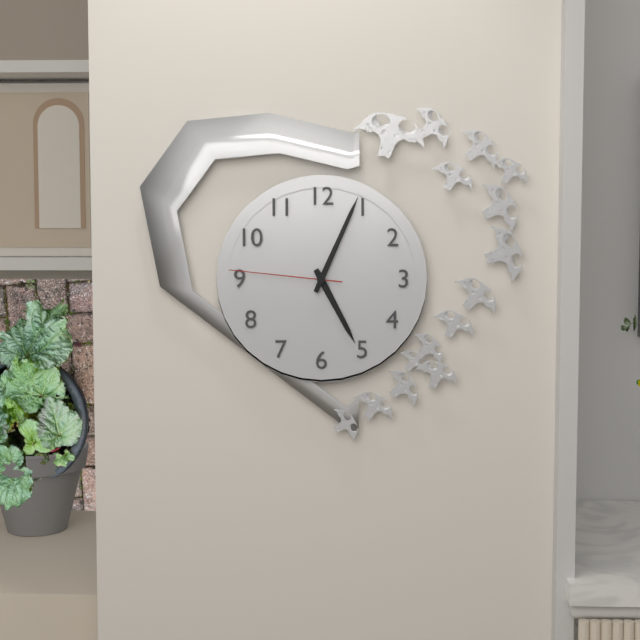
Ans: 5:04:46
